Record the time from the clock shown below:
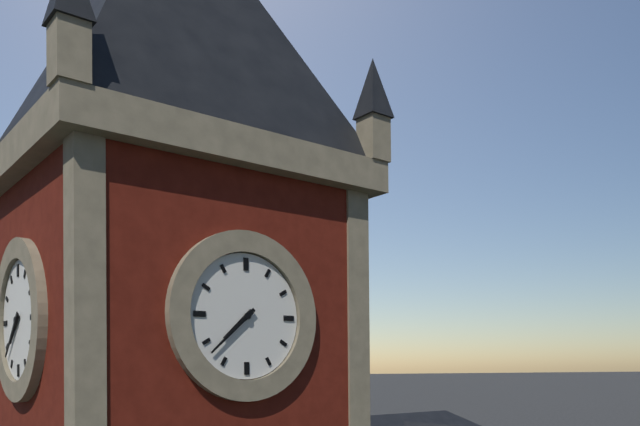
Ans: 7:38
